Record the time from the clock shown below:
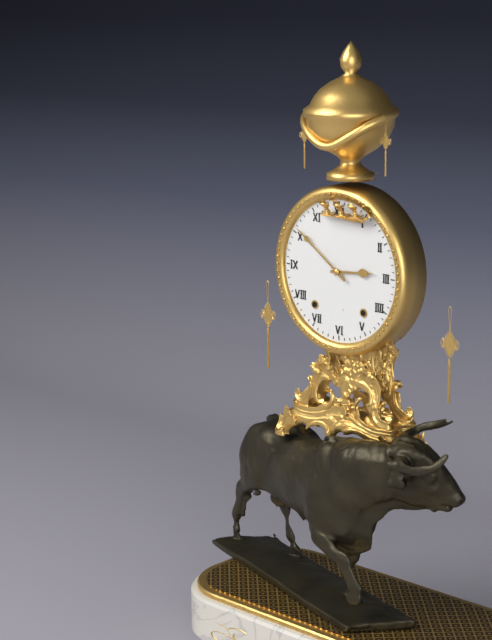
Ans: 2:51
